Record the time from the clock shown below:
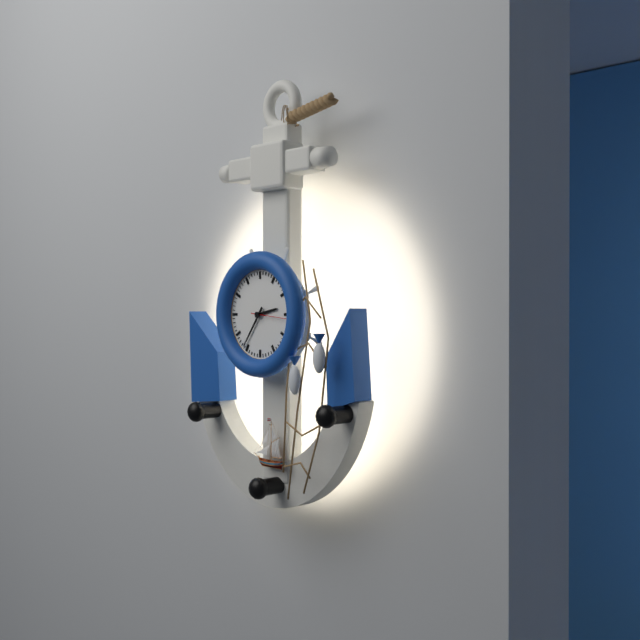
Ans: 2:36
